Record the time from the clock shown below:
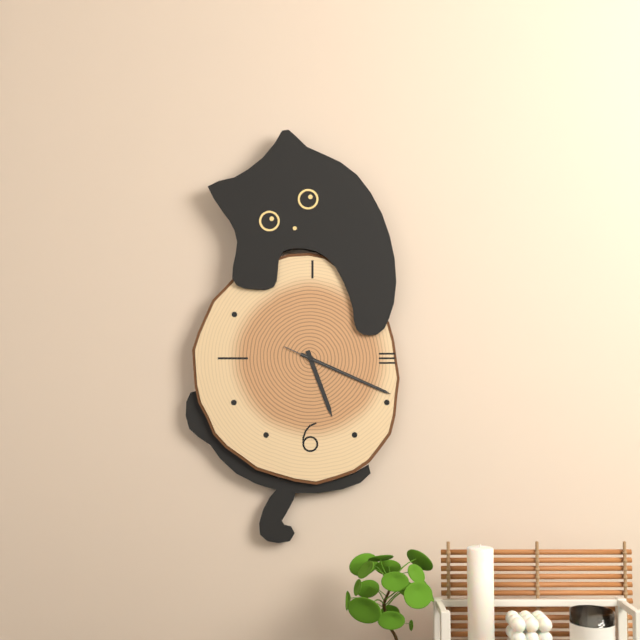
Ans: 5:19:19
